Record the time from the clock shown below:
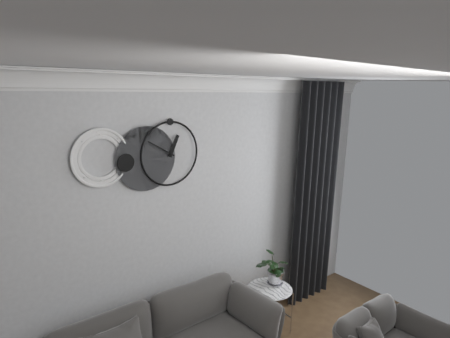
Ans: 12:50
